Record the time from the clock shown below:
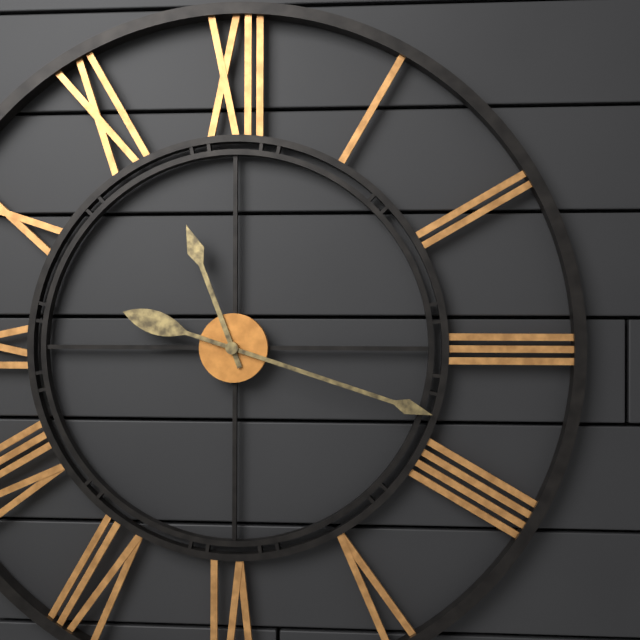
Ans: 11:18
